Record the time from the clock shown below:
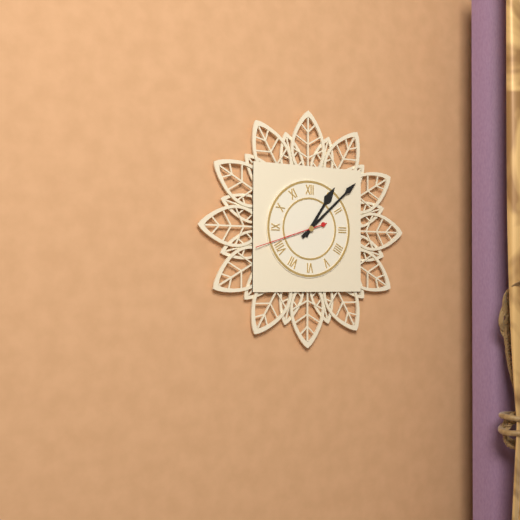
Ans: 1:08:42
